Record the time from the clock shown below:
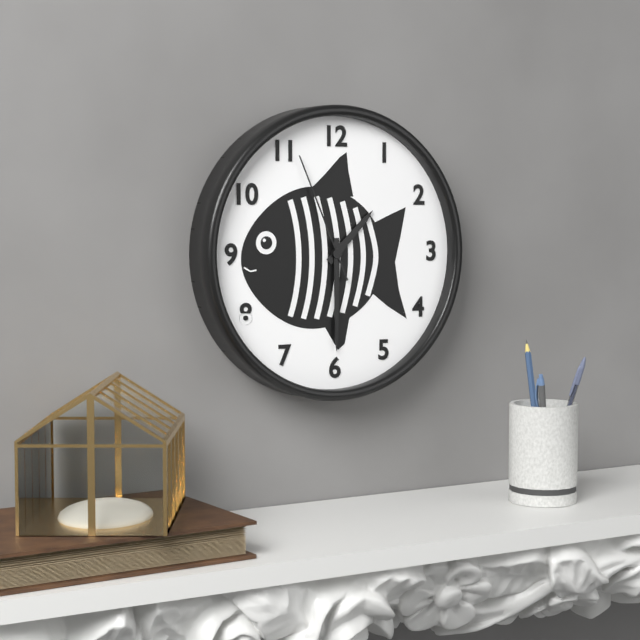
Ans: 1:30:56
